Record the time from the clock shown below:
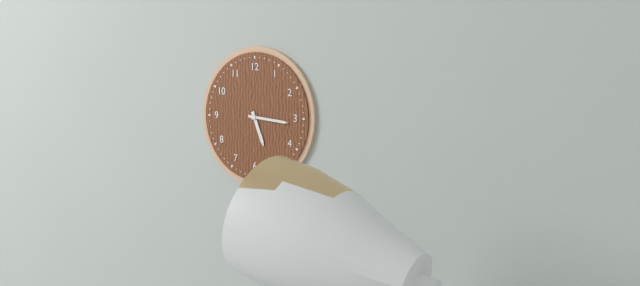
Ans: 5:16
